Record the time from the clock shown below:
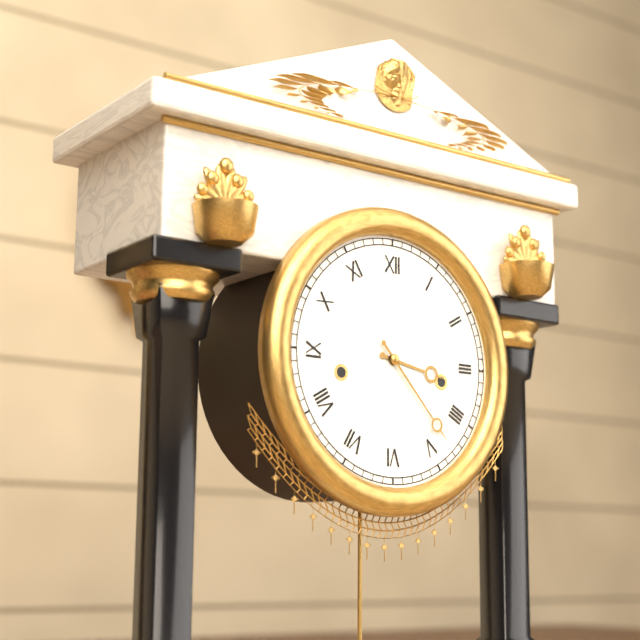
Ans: 3:23
